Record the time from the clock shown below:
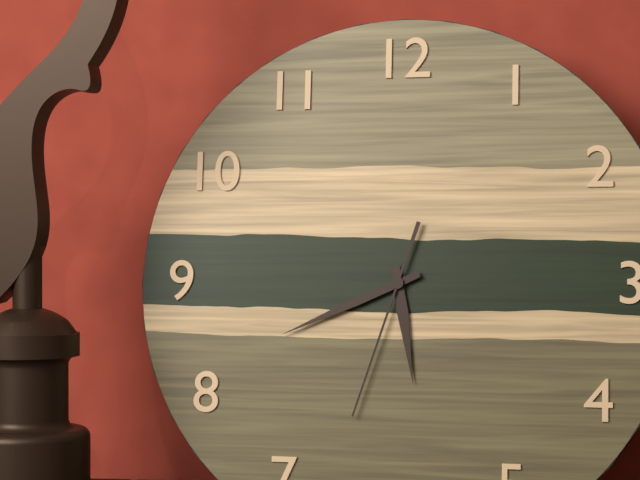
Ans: 5:41:33
